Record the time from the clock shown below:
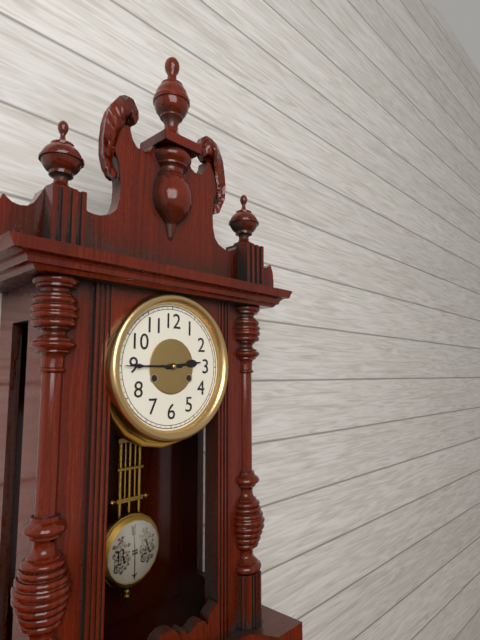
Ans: 2:45
